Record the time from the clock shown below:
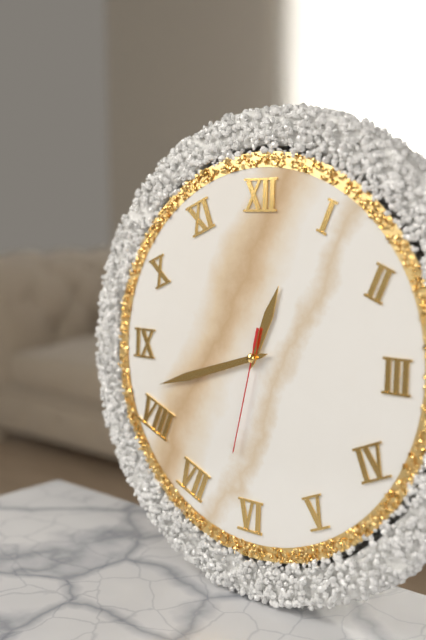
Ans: 12:42:32
